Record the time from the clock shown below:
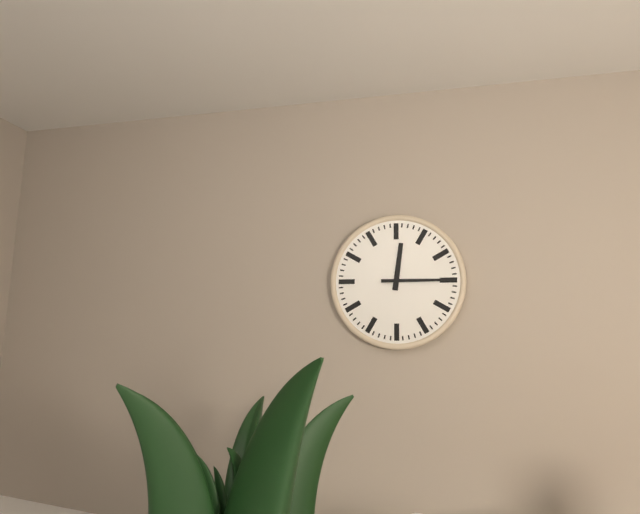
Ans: 12:15
